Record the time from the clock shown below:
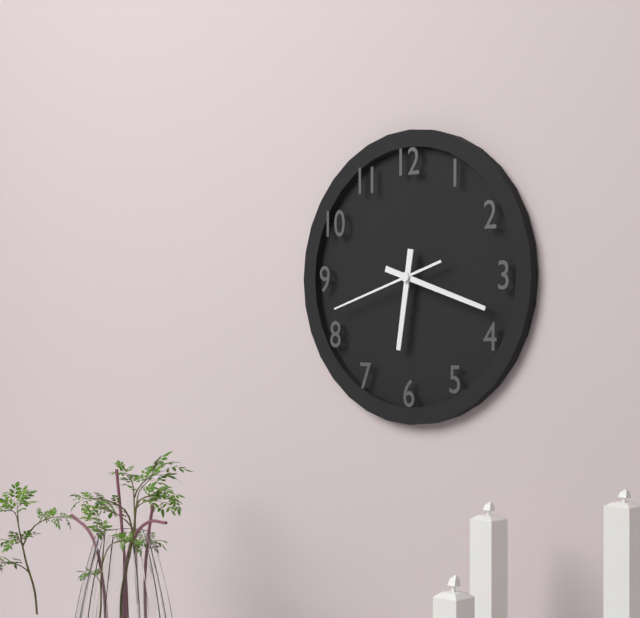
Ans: 6:18:42
